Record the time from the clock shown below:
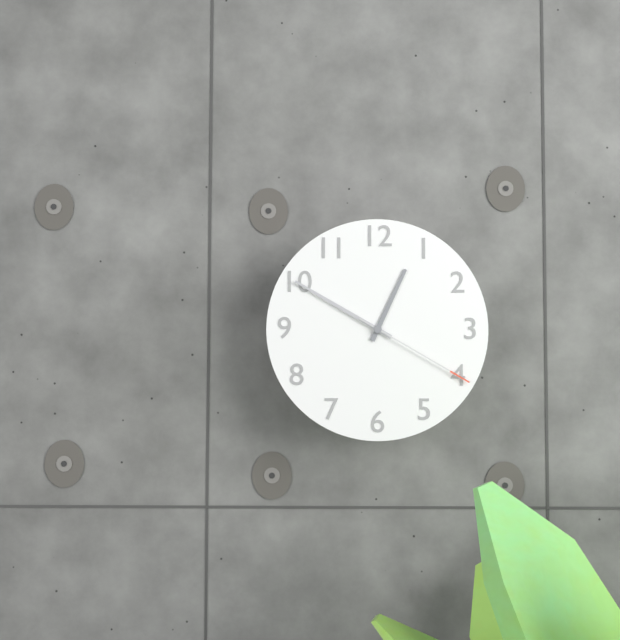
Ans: 12:50:20
